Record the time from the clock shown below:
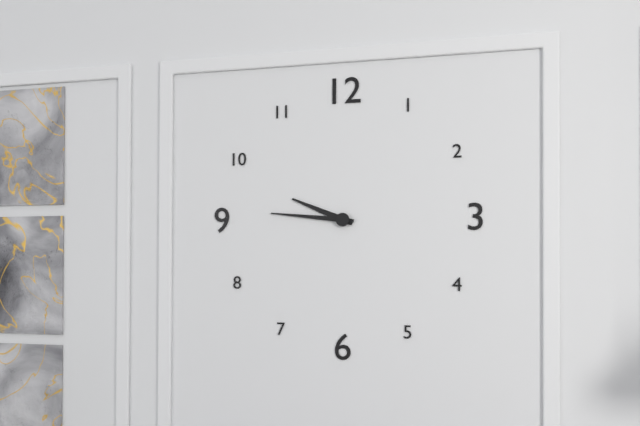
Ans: 9:46
